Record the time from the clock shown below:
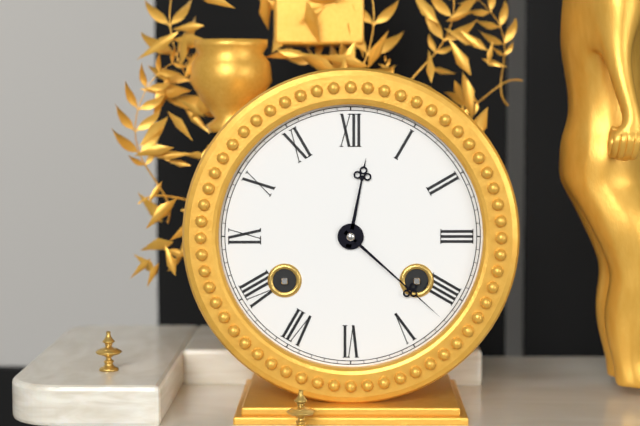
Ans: 12:22
